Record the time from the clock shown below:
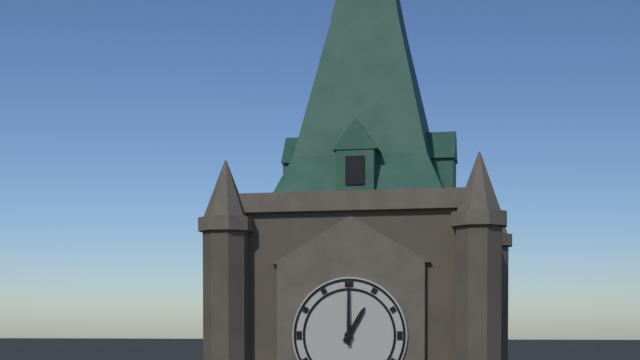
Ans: 1:00
